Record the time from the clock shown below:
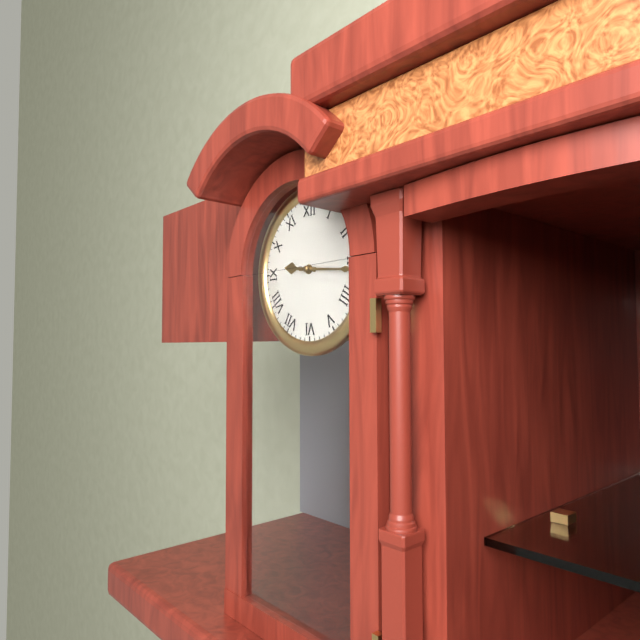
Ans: 9:16
